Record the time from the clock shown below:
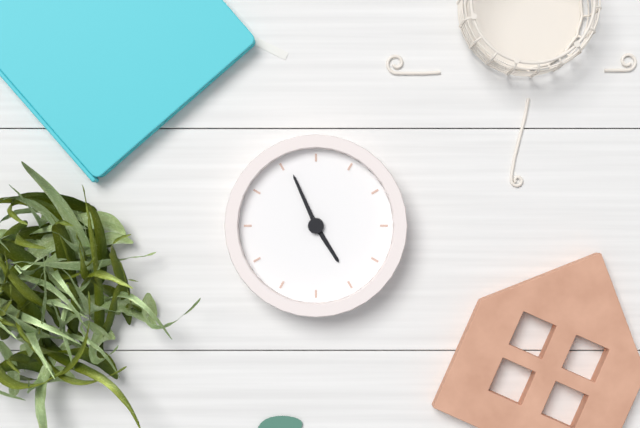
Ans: 4:56
